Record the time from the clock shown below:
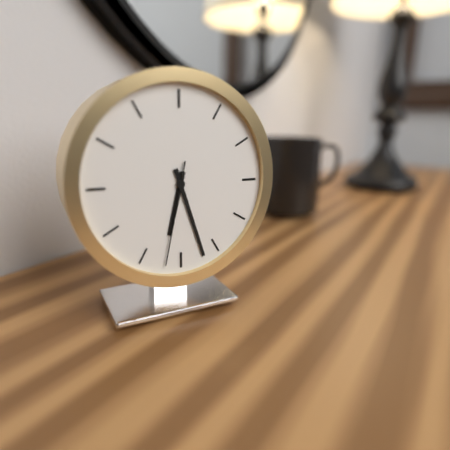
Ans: 6:27:32
